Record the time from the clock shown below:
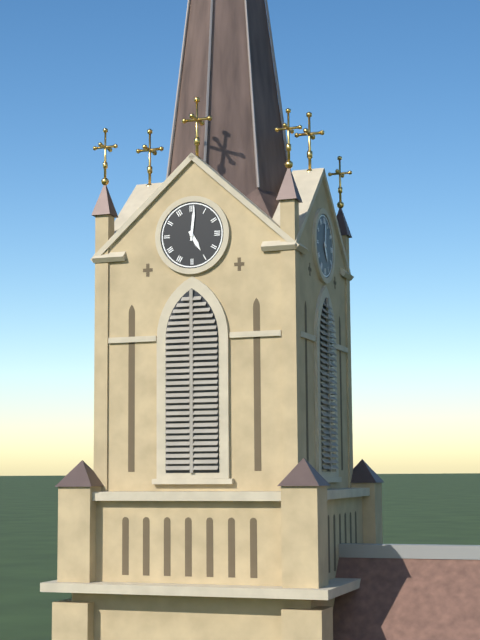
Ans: 5:01
